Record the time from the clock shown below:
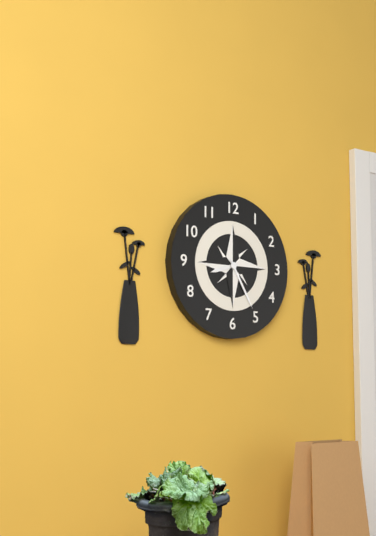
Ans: 8:25
